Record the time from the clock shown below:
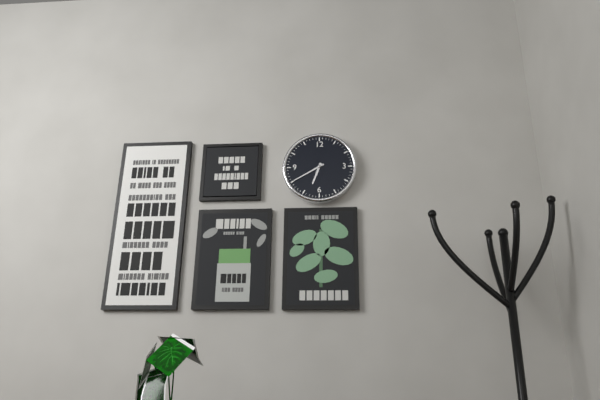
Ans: 6:40
